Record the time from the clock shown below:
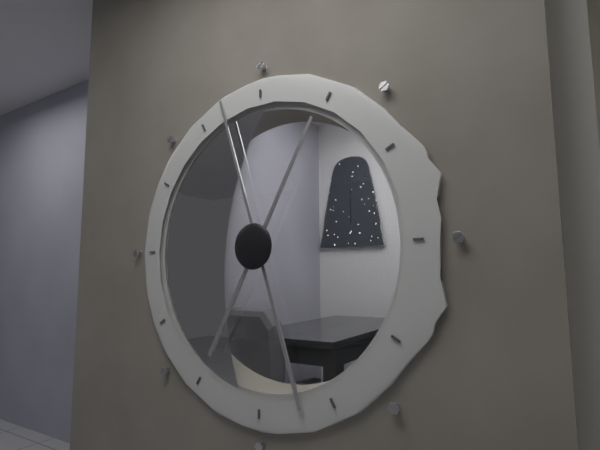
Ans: 12:57
